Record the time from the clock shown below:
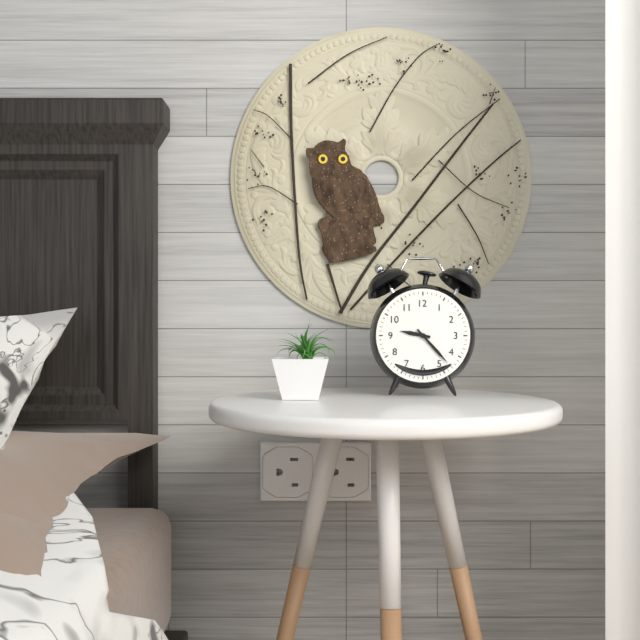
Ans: 9:23
